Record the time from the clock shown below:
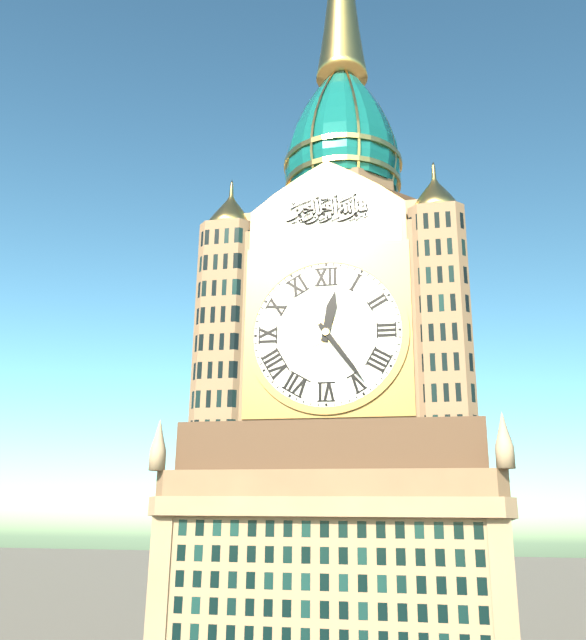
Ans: 12:24
